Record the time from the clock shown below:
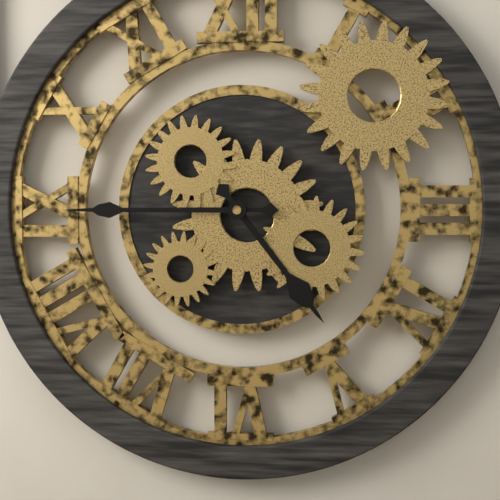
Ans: 4:45
